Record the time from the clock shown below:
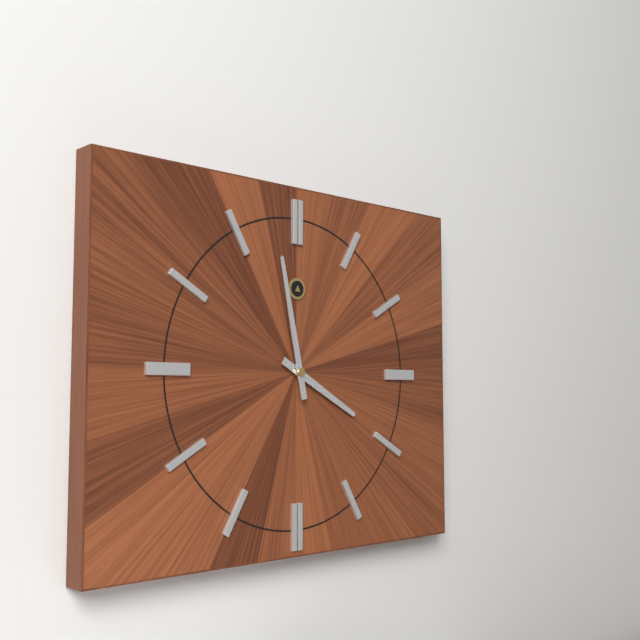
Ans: 3:58
